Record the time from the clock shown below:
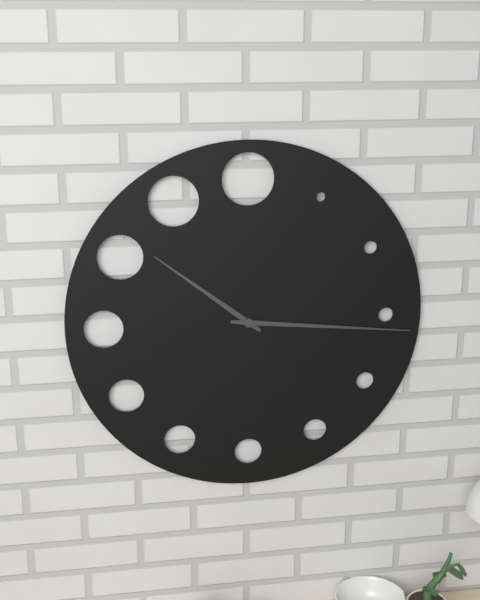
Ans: 10:16
